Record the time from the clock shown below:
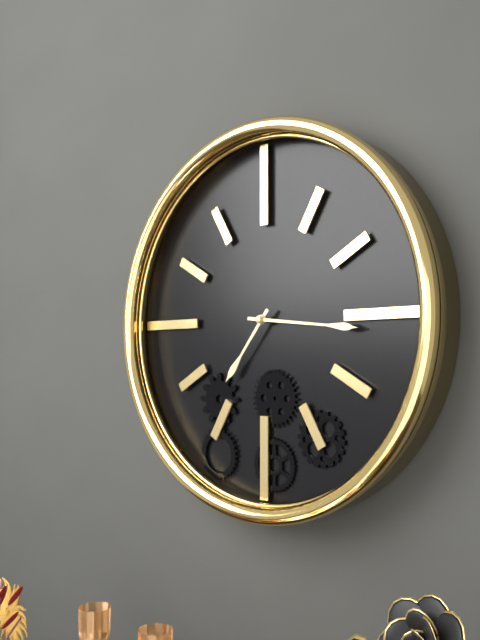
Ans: 7:16
